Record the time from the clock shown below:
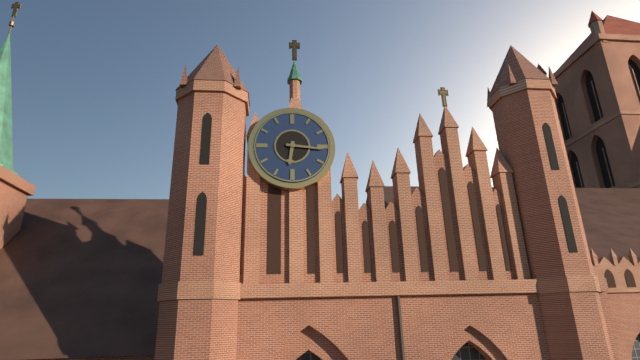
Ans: 6:16
